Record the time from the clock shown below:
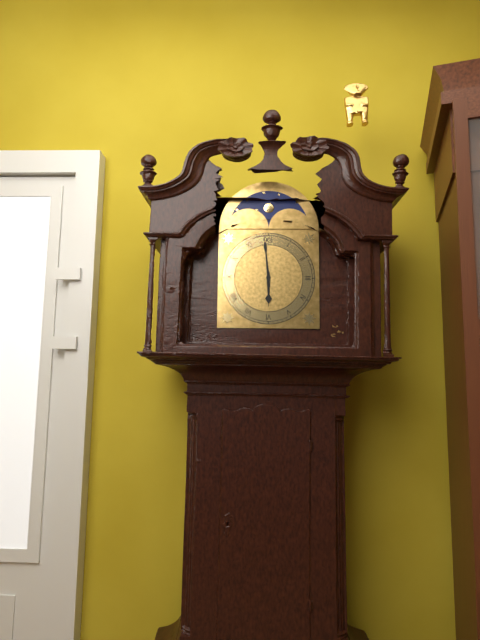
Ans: 5:59
